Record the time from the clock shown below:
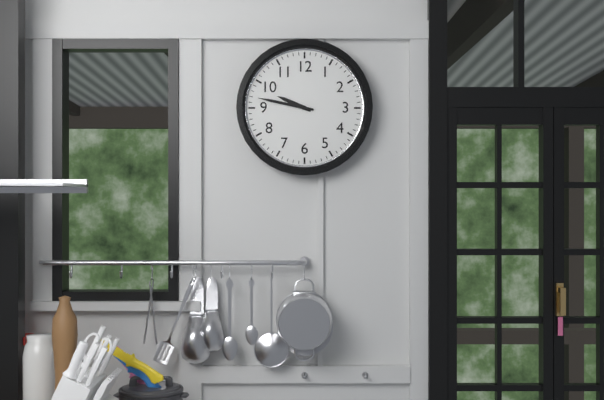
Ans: 9:47
